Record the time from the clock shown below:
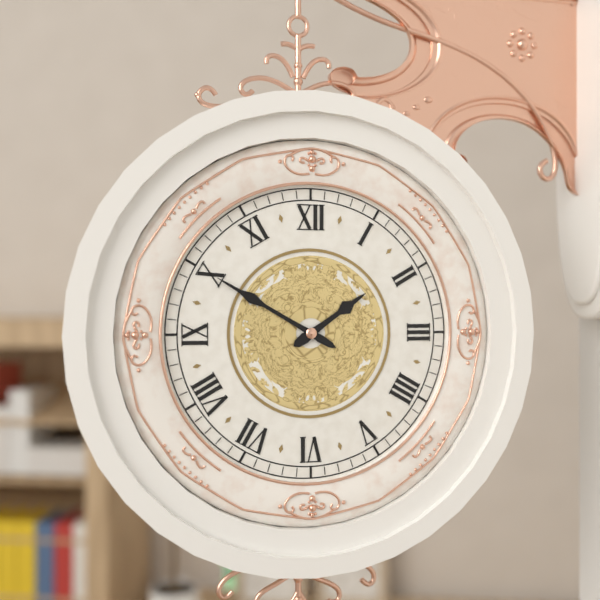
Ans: 1:50
